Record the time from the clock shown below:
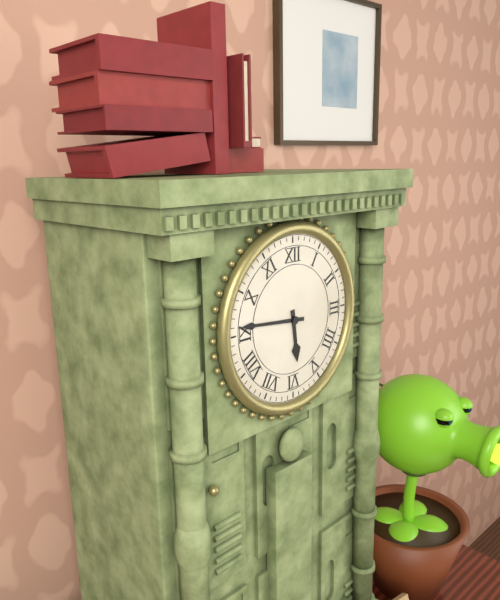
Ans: 5:46
